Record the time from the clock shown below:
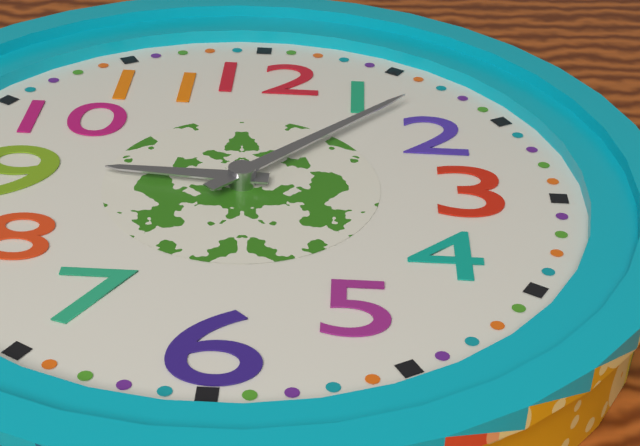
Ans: 9:07
